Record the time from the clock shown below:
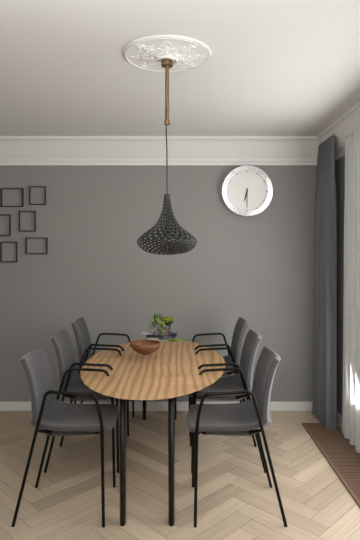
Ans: 6:30
